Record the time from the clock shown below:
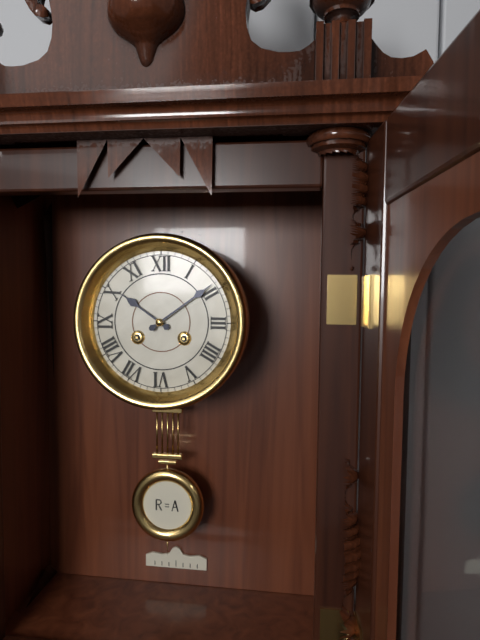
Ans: 10:09
